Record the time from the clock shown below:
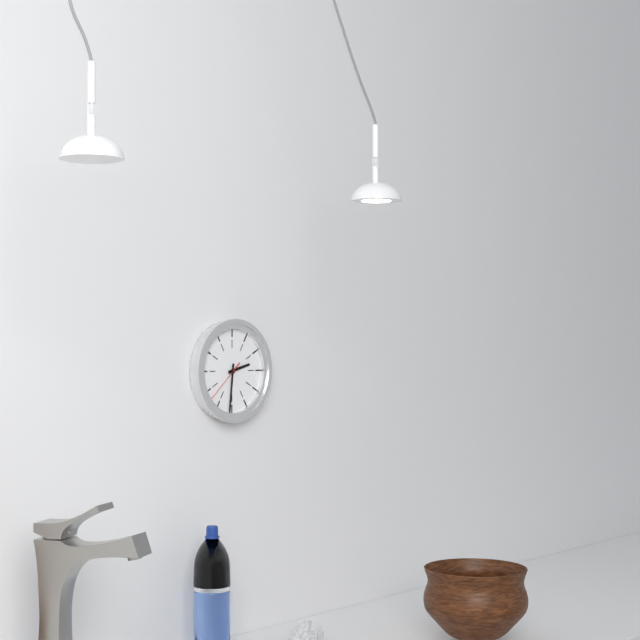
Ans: 2:31
